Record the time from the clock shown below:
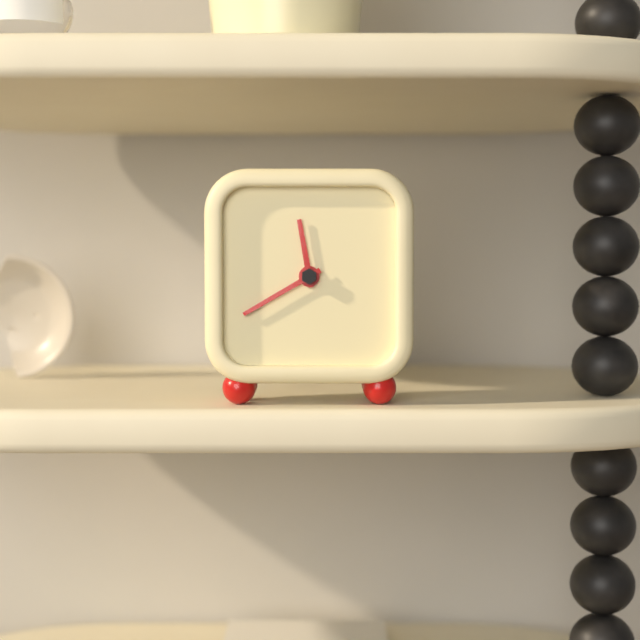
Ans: 11:40
